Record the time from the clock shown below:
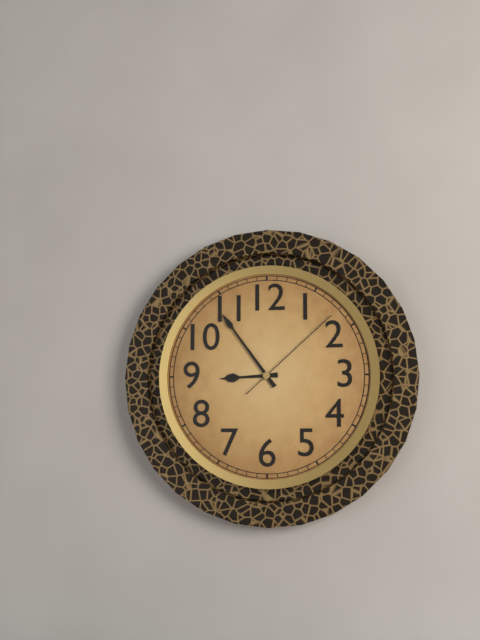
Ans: 8:54:08
